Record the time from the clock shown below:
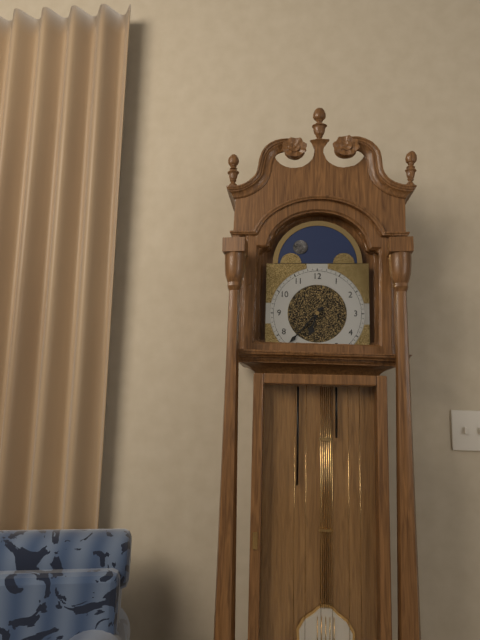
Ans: 6:37
